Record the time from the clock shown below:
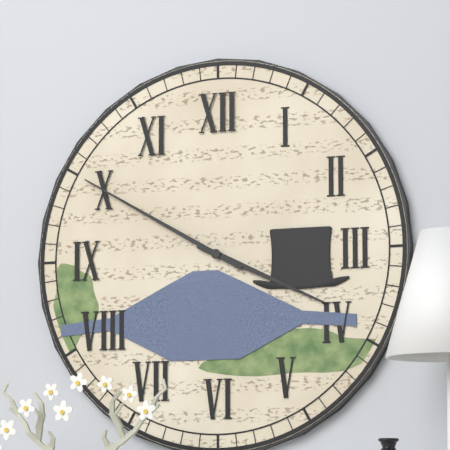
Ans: 3:50
